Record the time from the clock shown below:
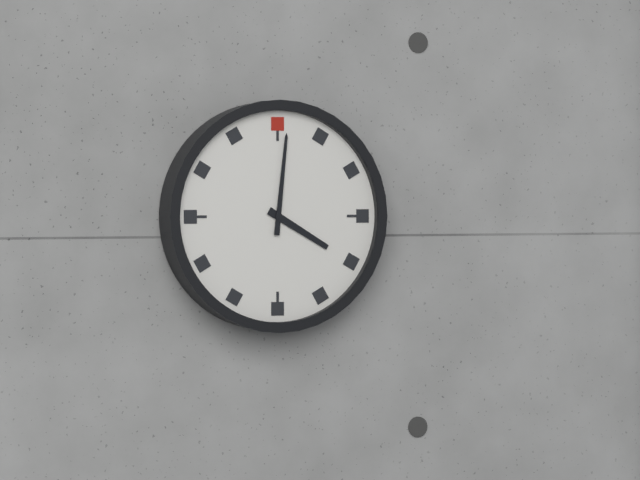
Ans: 4:01
